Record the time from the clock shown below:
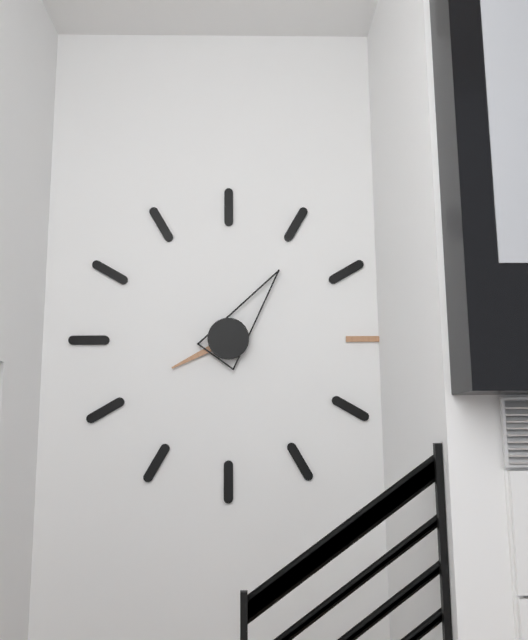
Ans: 8:06
